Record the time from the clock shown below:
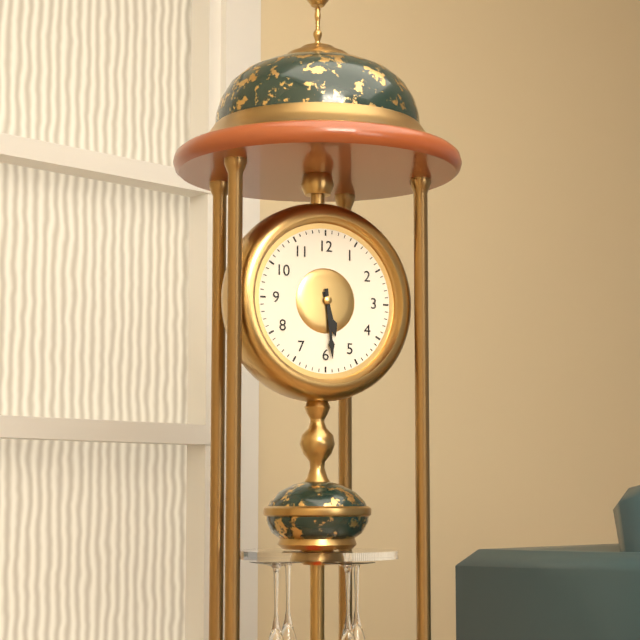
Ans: 5:29
